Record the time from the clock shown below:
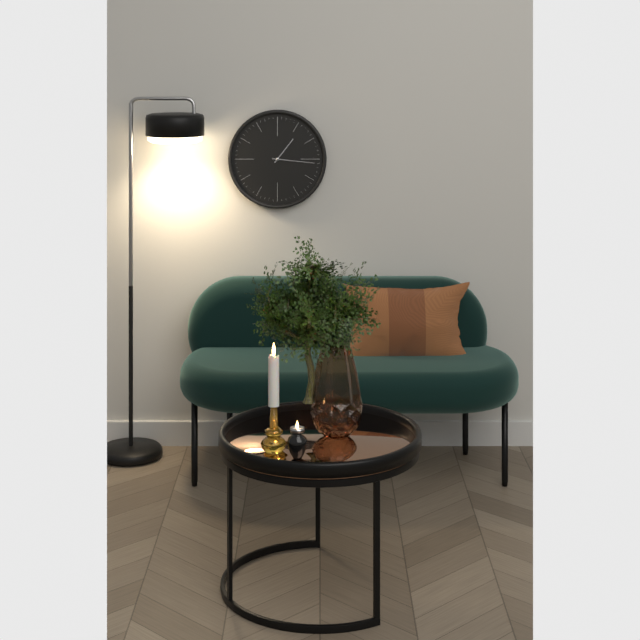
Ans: 1:16
